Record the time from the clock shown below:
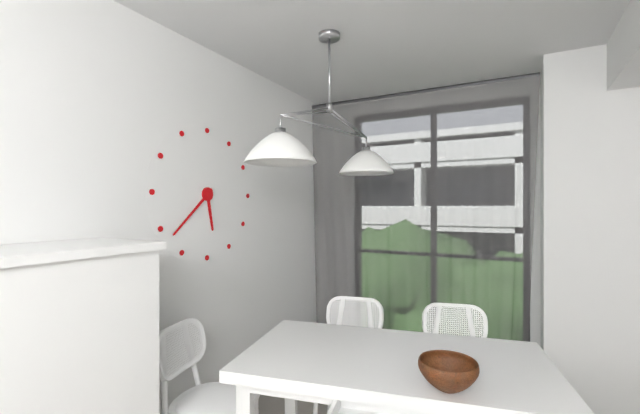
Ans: 5:38
